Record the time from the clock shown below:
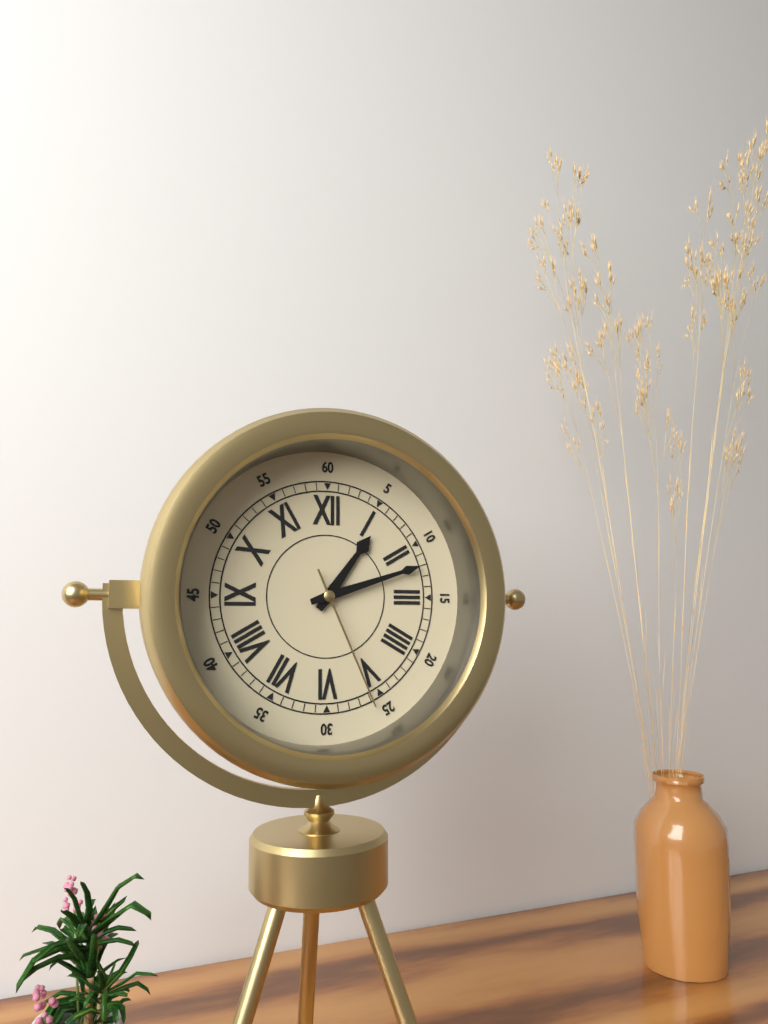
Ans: 1:12:26
